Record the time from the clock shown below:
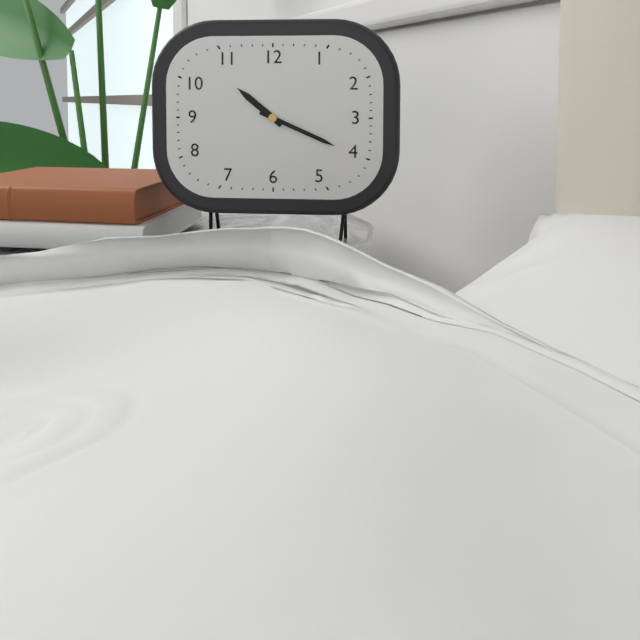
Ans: 10:19
